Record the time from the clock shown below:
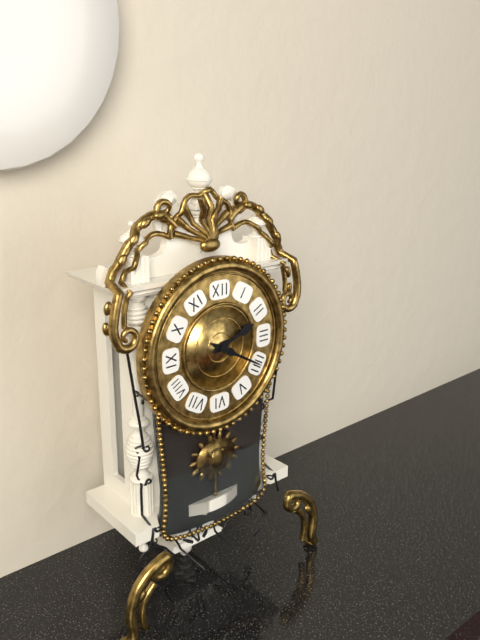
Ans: 2:20
